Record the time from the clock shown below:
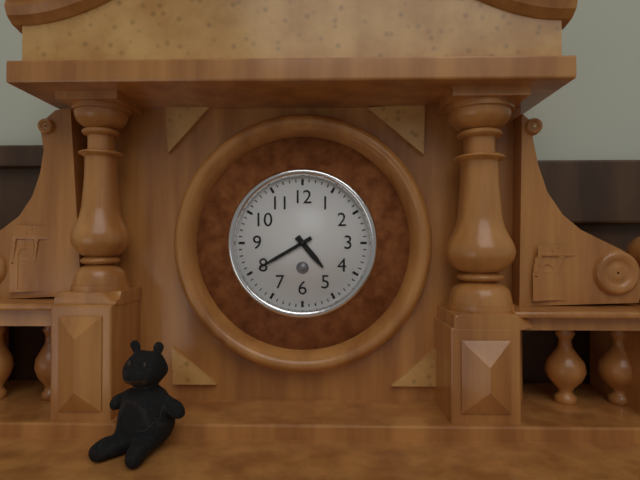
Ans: 4:40
